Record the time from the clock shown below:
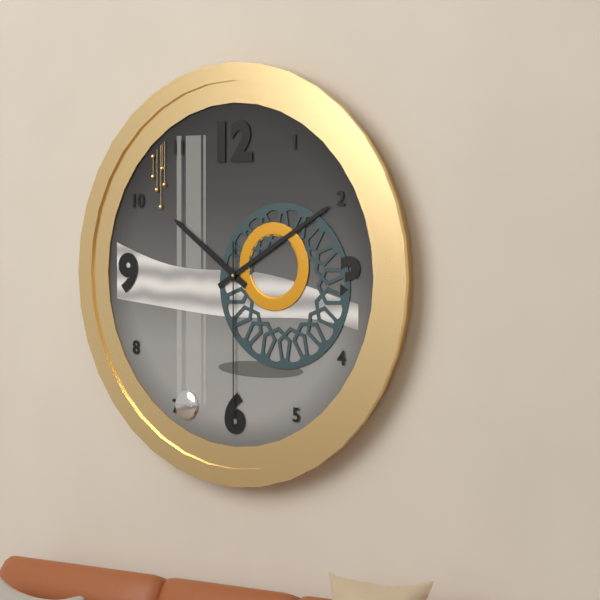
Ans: 10:10:30
